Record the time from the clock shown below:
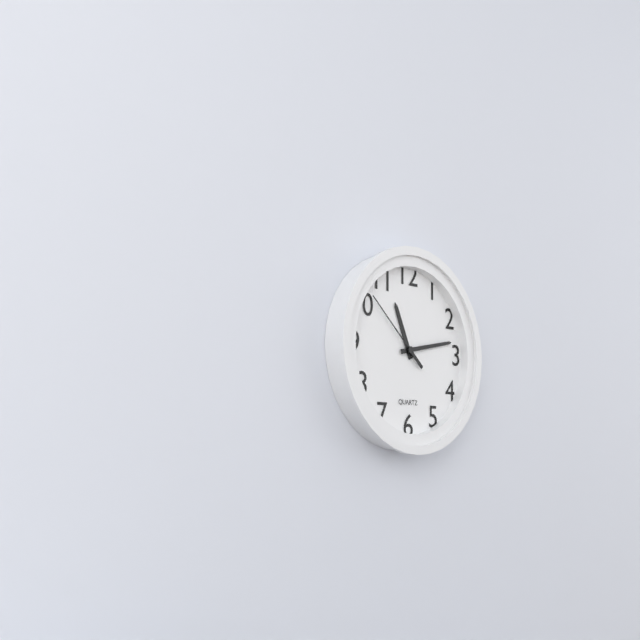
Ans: 11:13:52
